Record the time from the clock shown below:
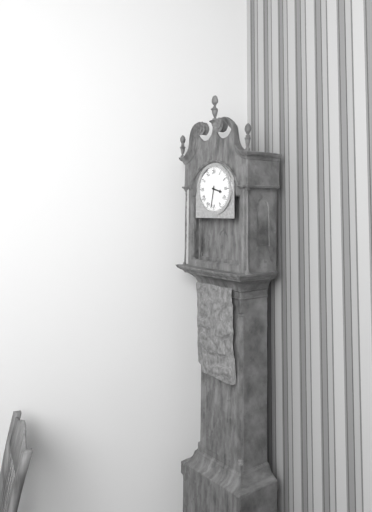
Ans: 3:32
